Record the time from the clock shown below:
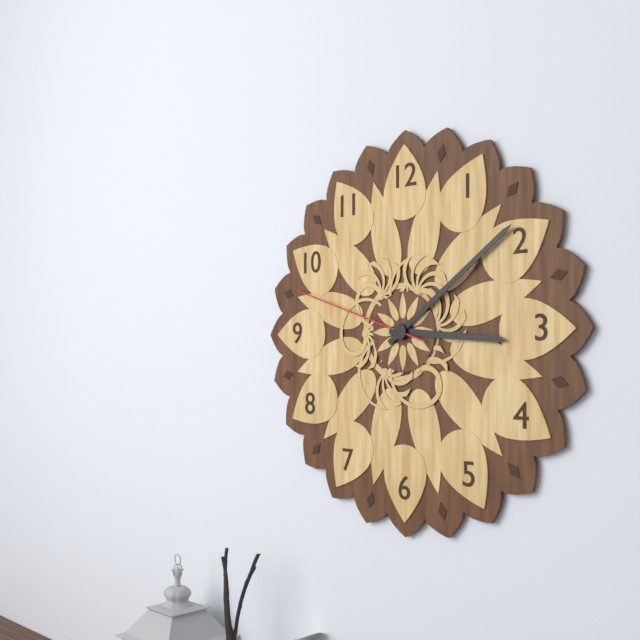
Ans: 3:09:48
